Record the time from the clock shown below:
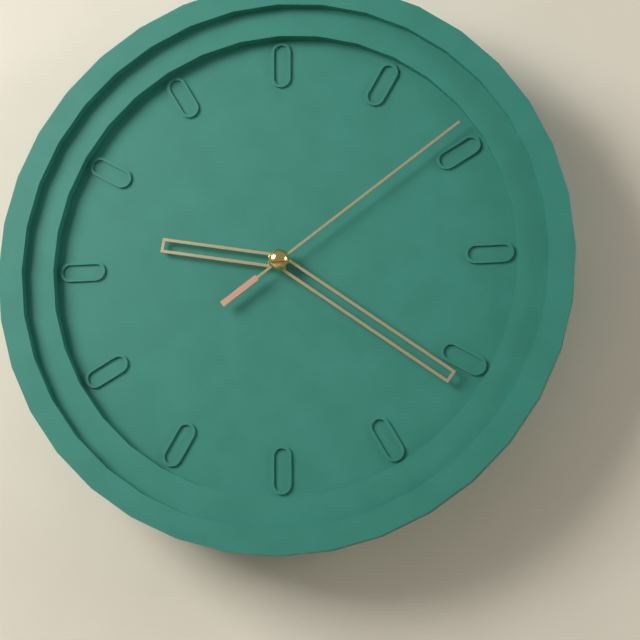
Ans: 9:21:09
